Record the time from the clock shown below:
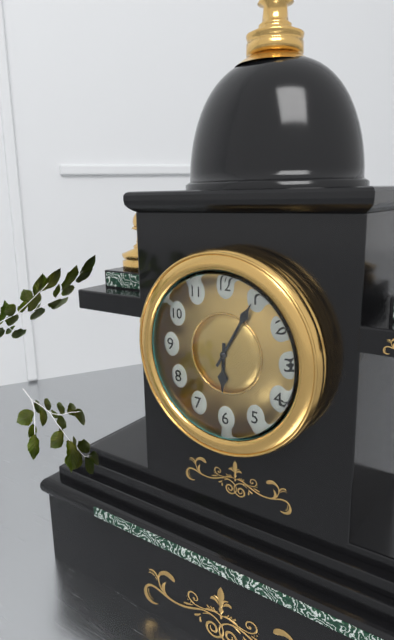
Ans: 6:05
